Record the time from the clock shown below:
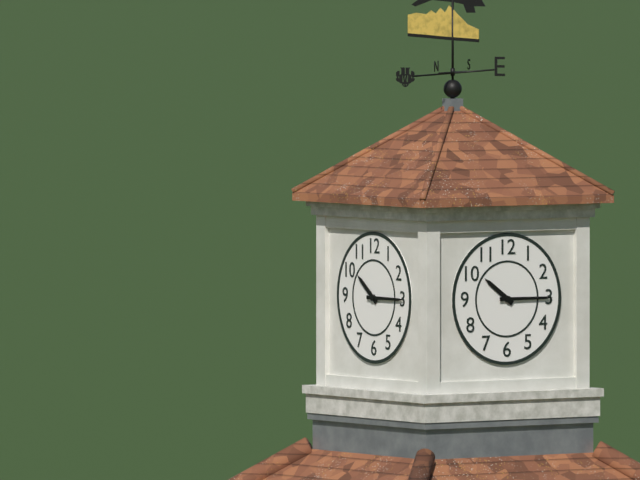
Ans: 10:15
